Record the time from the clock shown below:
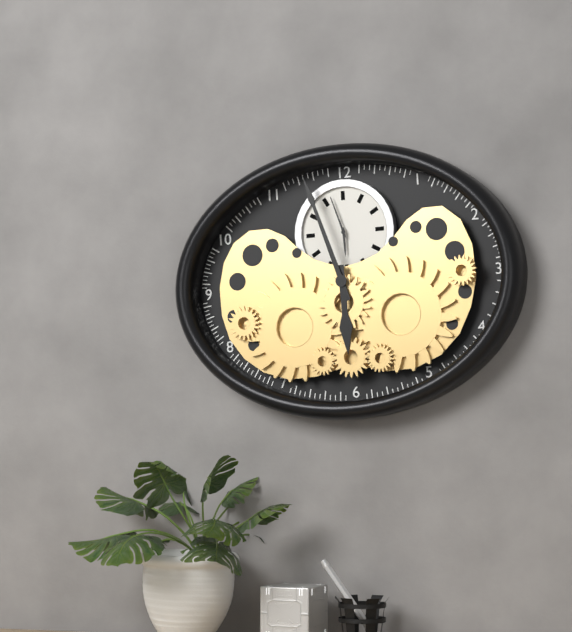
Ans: 5:57
